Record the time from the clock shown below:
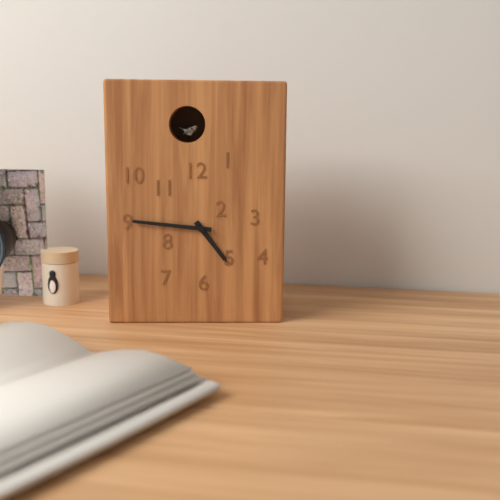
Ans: 4:46
